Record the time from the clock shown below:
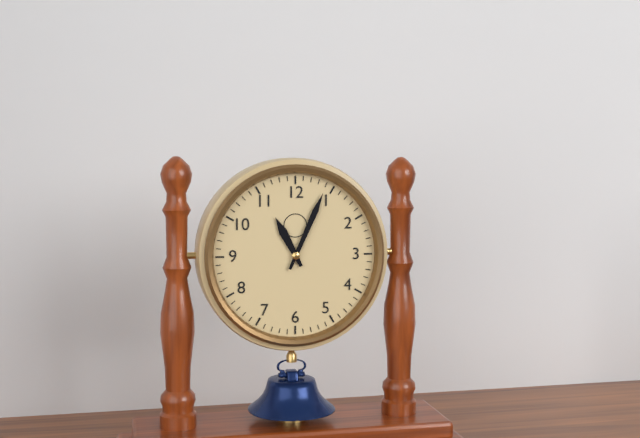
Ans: 11:04
